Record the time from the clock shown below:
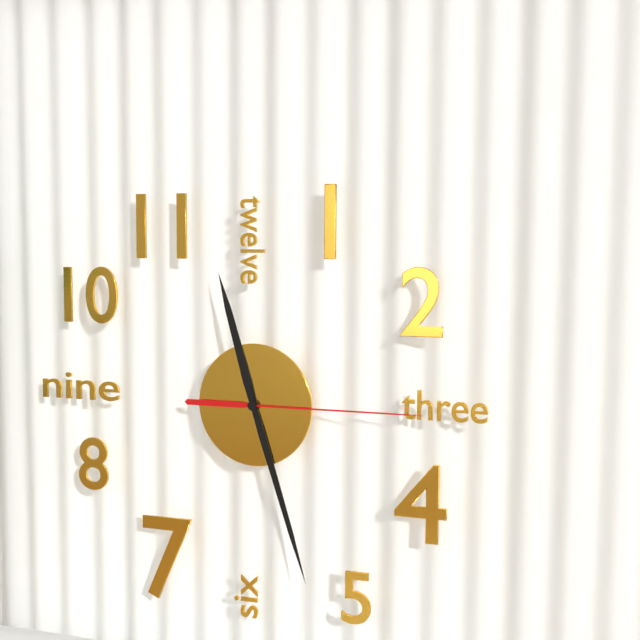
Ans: 11:27:15
